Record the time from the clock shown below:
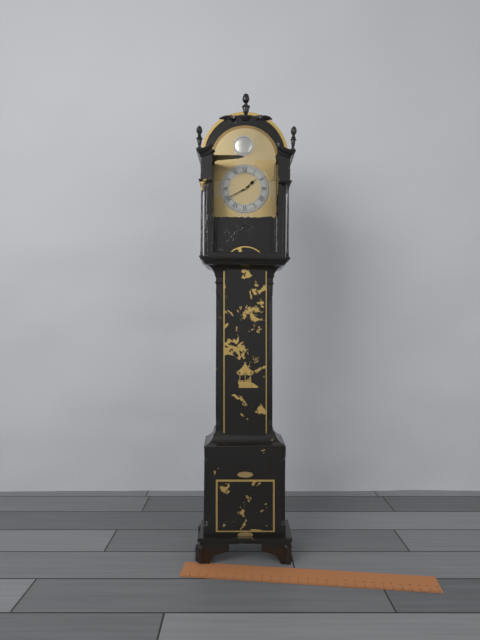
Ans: 1:40
